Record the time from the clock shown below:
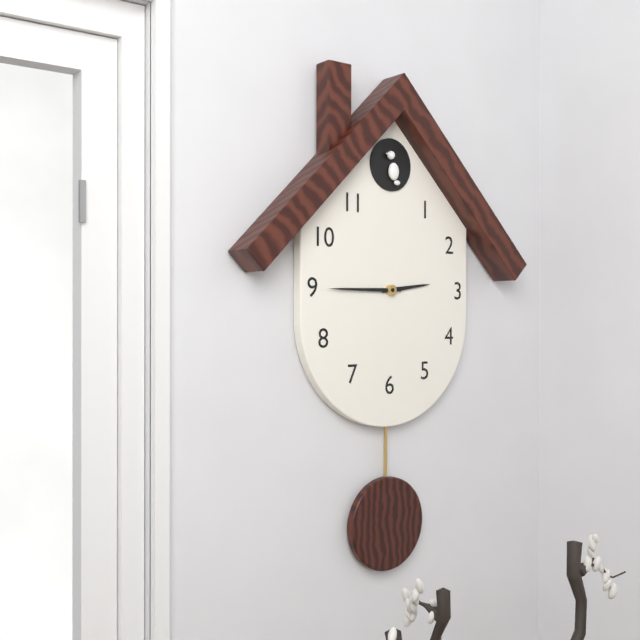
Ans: 2:45
